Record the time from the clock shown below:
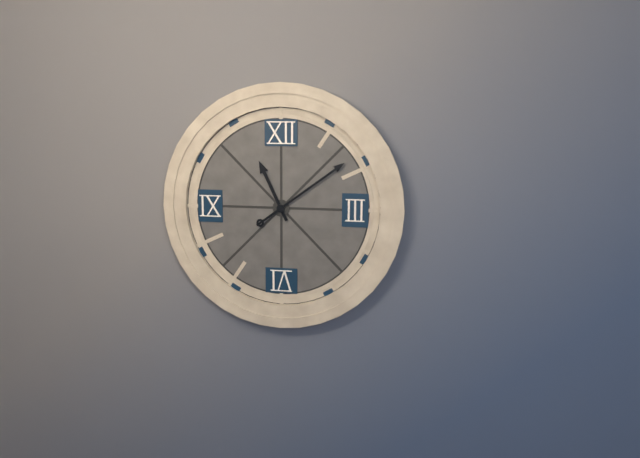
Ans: 11:09
